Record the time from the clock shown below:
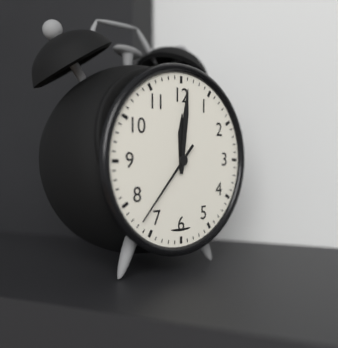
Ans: 12:01:37
